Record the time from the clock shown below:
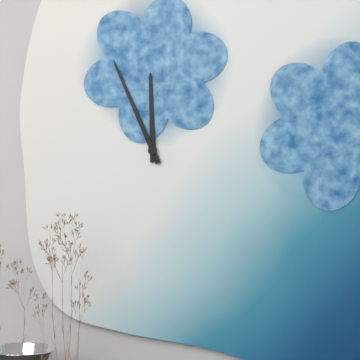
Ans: 11:56
